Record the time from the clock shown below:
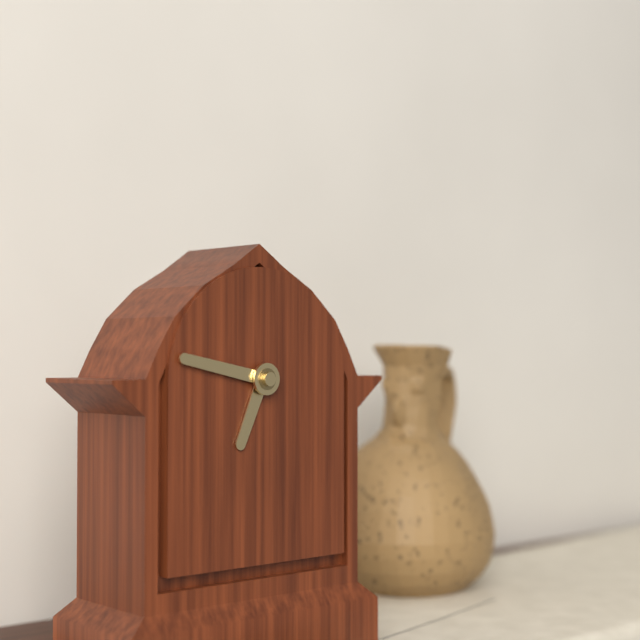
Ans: 6:47
